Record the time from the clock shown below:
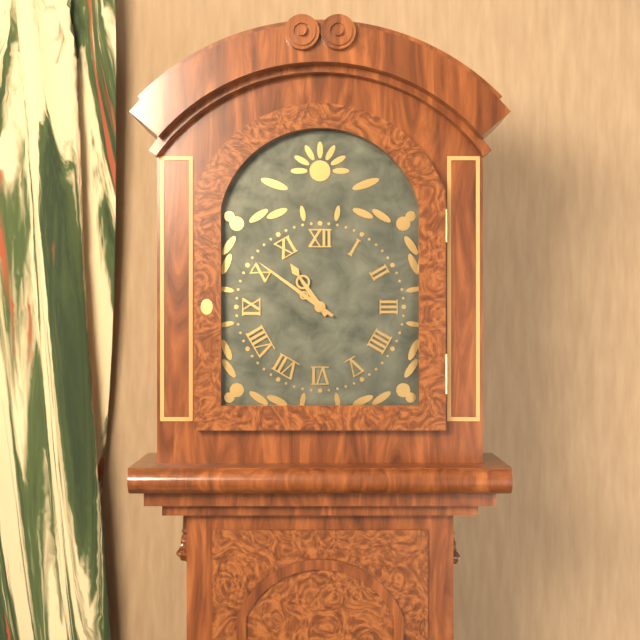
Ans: 10:51
